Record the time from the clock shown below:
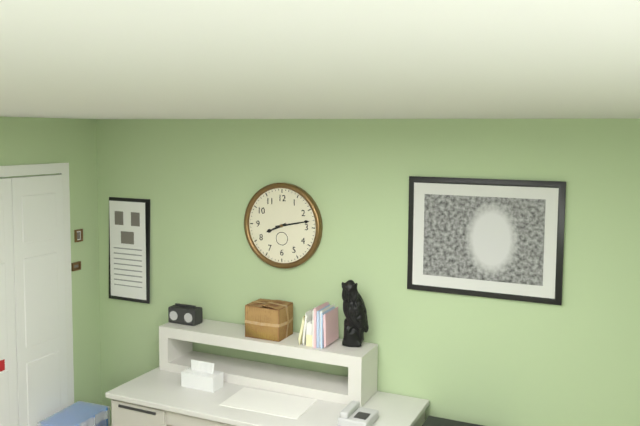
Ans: 8:13
